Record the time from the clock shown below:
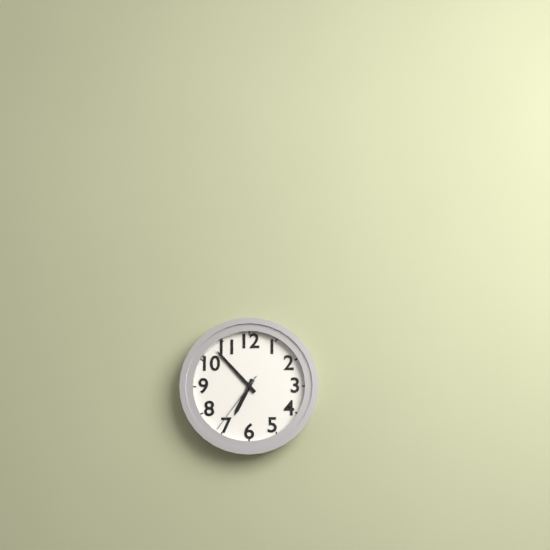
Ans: 6:53:36
